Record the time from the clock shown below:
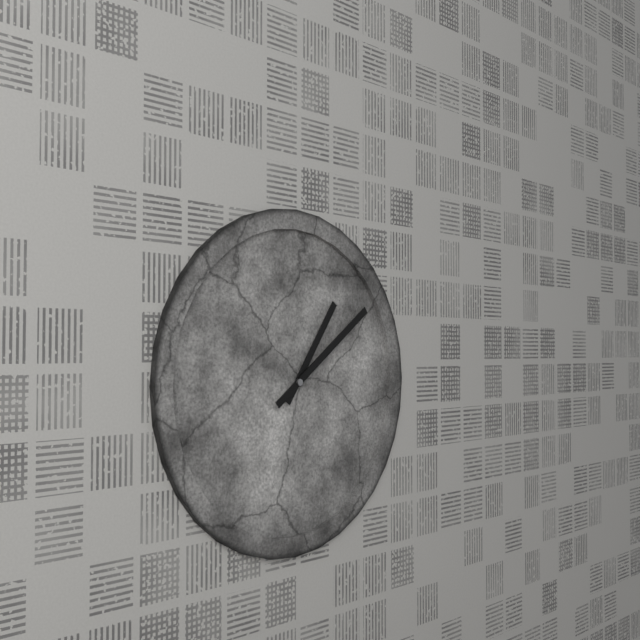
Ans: 1:09
